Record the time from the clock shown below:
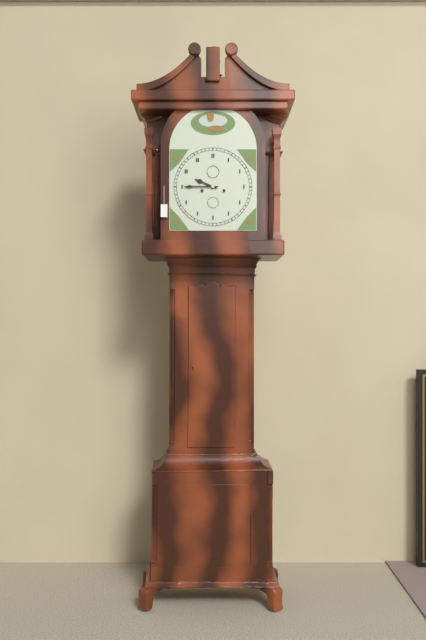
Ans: 9:45
